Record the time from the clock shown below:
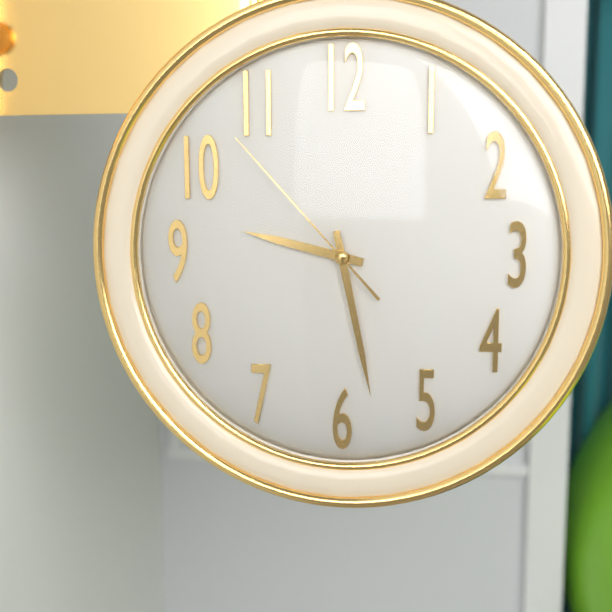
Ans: 9:28:53
